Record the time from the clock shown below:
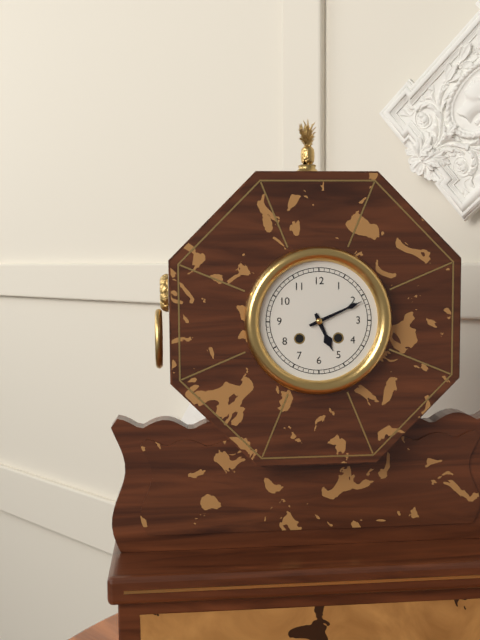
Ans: 5:11
